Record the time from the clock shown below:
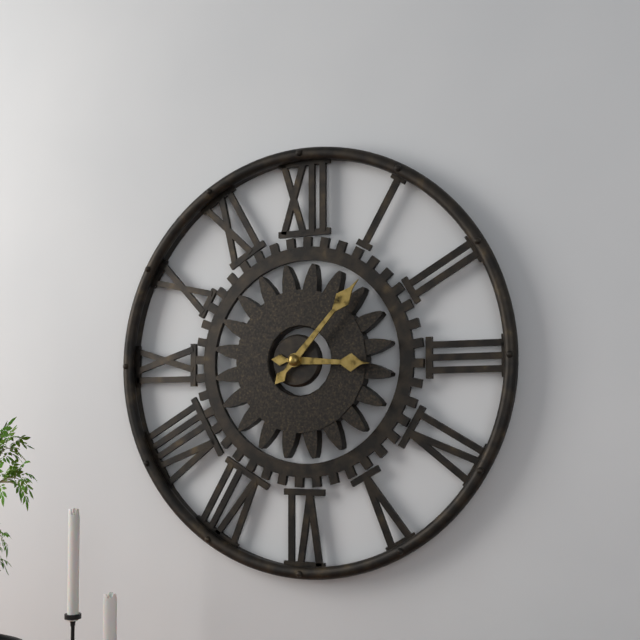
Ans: 3:07
